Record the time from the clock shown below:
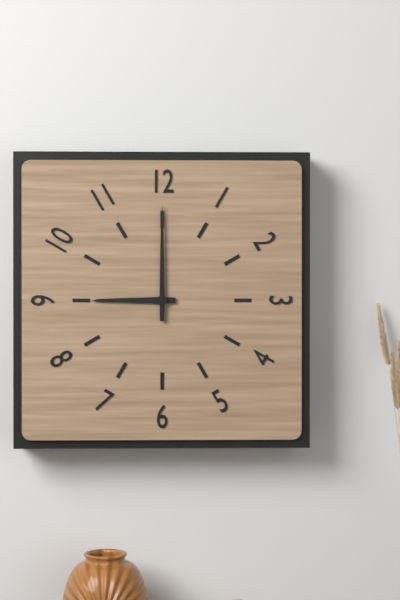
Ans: 9:00
